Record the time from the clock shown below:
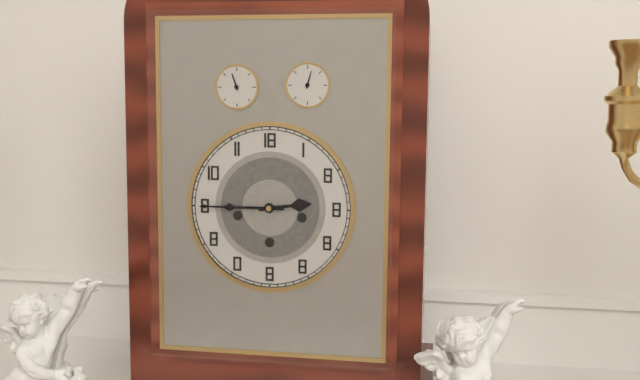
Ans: 2:45
